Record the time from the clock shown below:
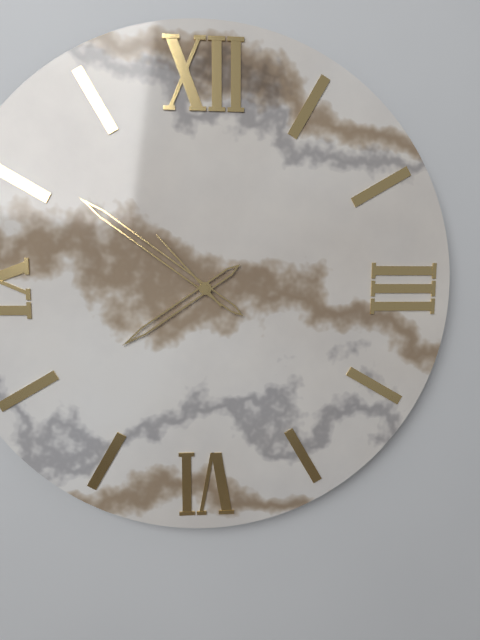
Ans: 7:51:53
